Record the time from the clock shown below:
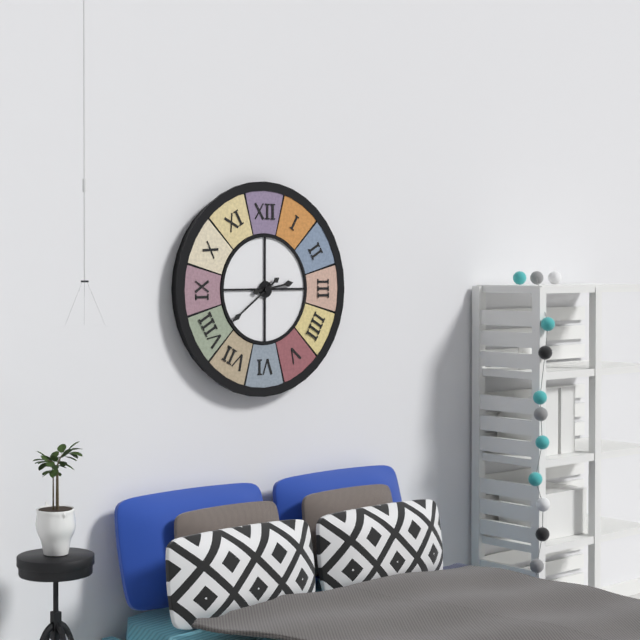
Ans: 2:39
